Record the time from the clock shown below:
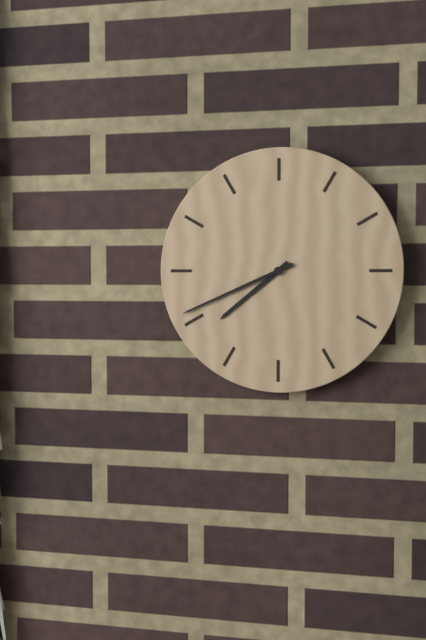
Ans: 7:41
